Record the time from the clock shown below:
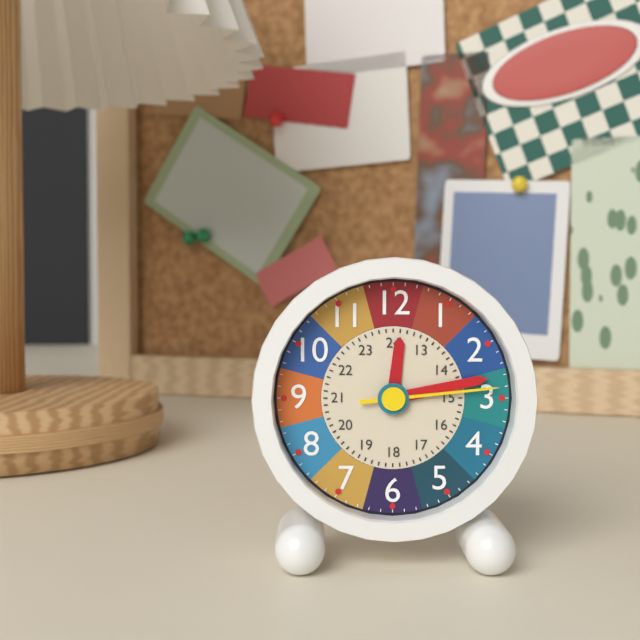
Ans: 12:13:14
